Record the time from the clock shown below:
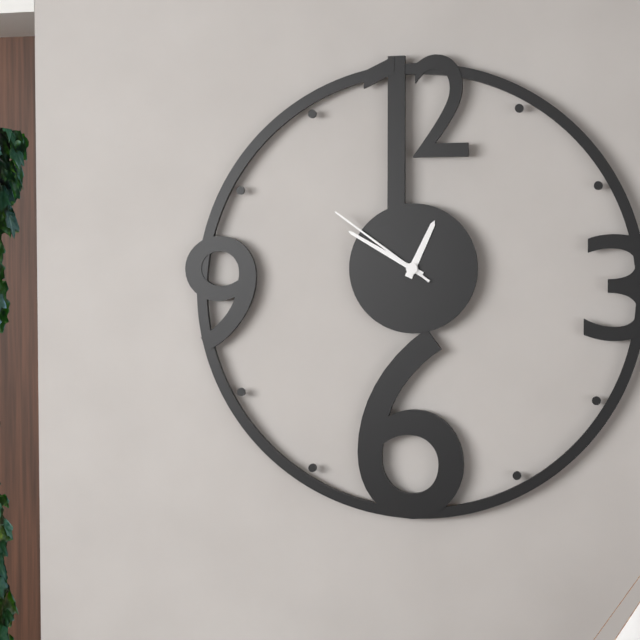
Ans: 12:50:51
